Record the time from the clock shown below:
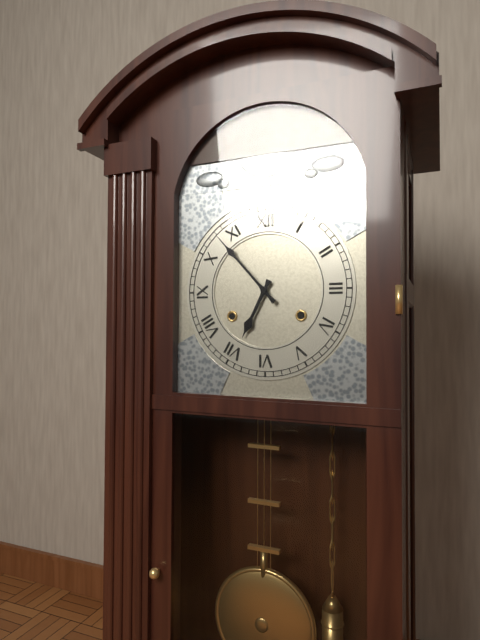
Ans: 6:53
